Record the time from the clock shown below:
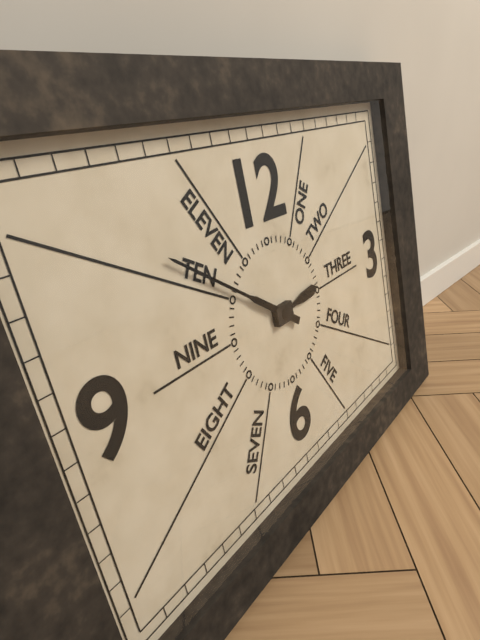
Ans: 2:51
